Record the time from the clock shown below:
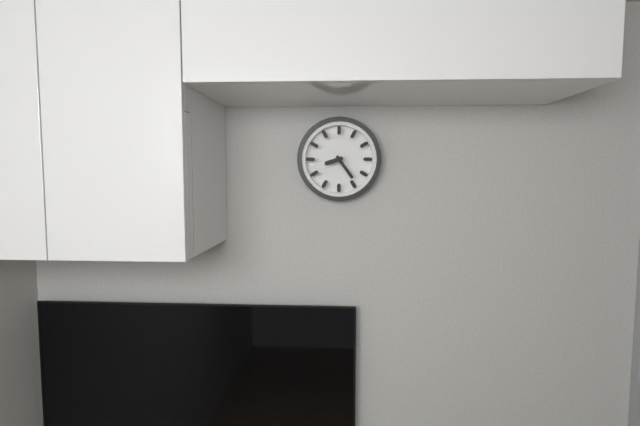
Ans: 8:24
